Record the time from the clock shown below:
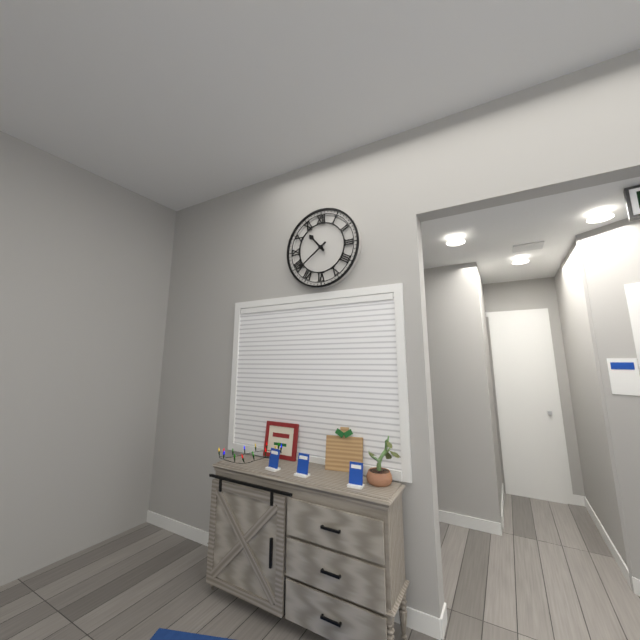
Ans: 10:39
